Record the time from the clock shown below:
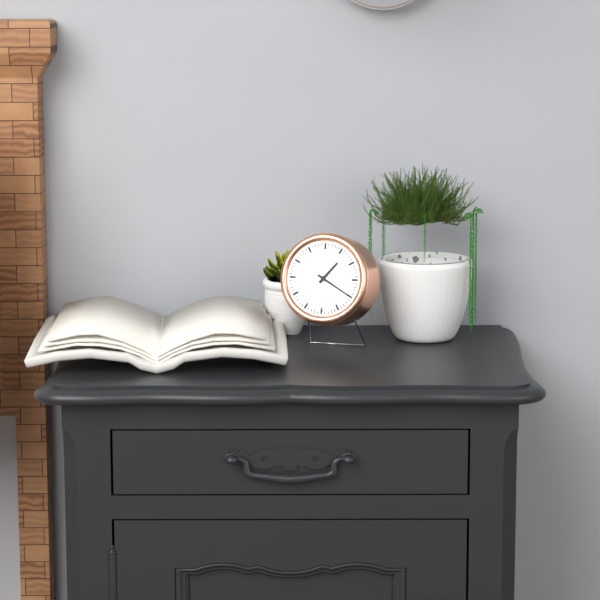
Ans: 1:20
